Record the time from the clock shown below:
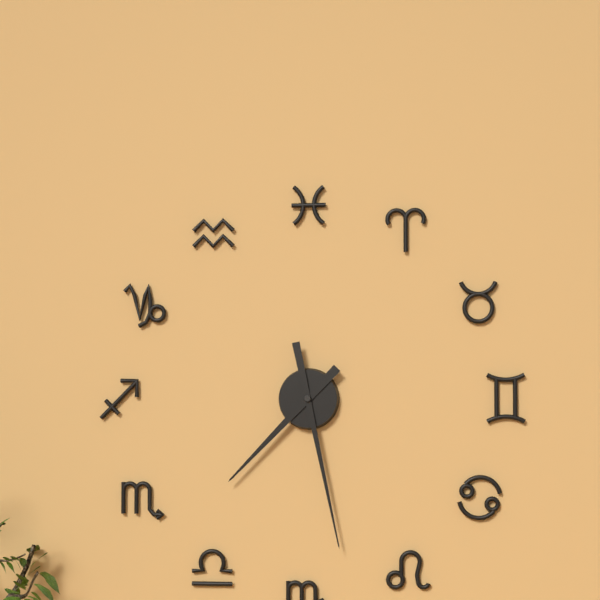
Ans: 7:28
